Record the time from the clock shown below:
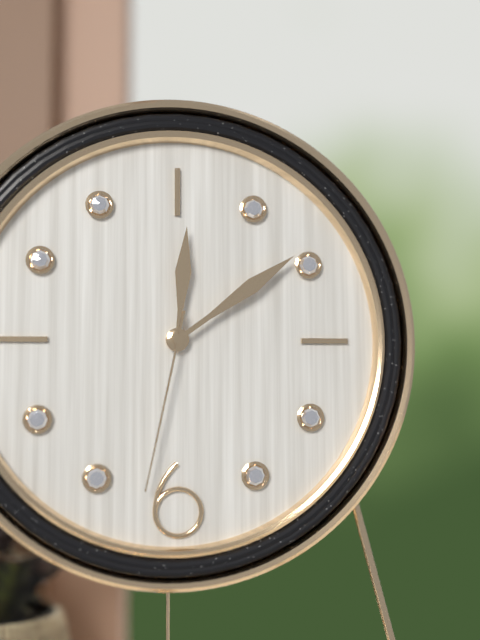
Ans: 12:09:32
